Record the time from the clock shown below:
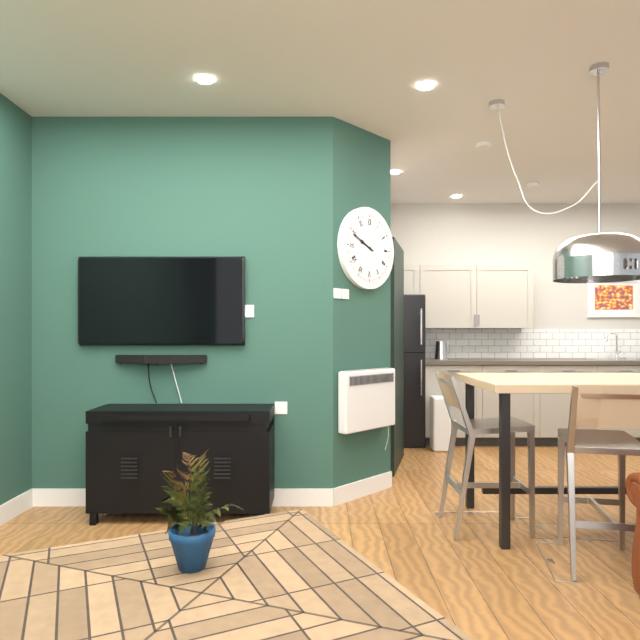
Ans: 9:49
